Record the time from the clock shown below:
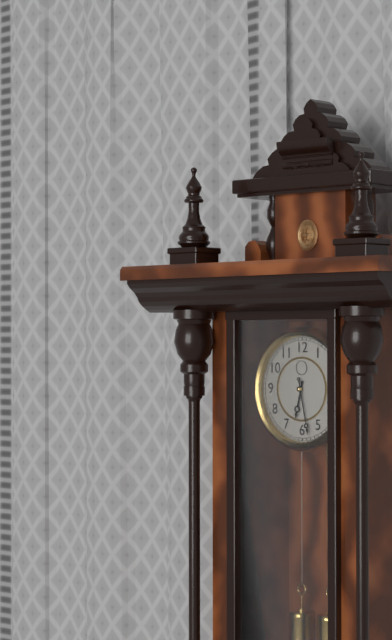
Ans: 6:28
